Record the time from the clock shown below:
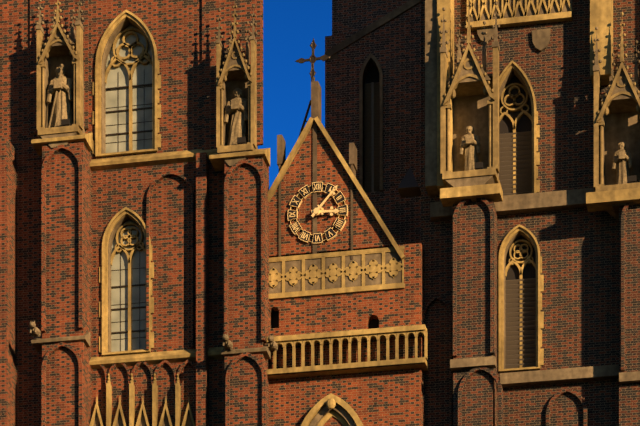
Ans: 3:07
